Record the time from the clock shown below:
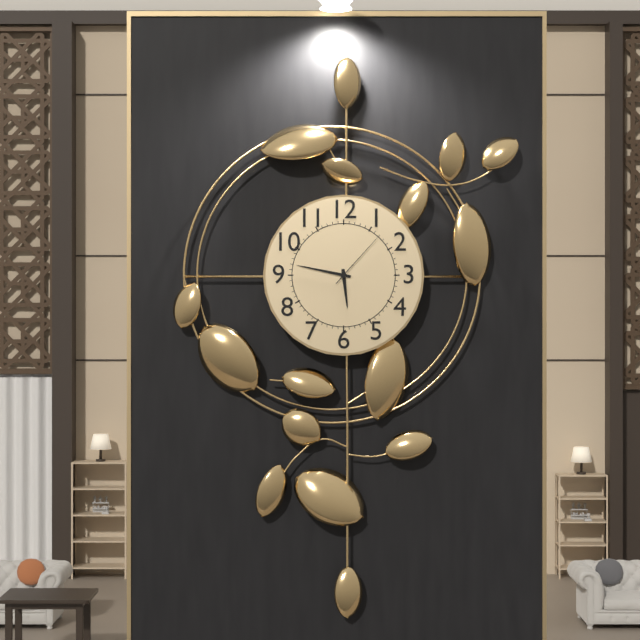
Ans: 5:47:07
